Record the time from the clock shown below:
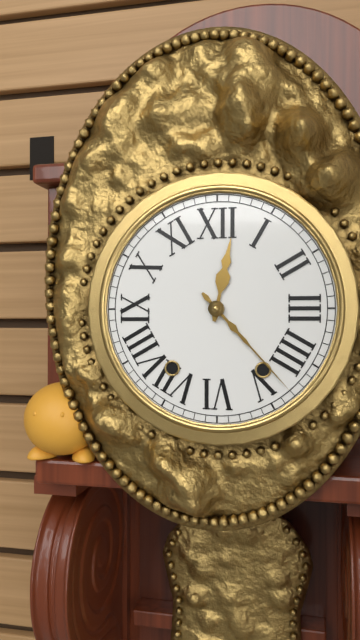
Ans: 12:23
